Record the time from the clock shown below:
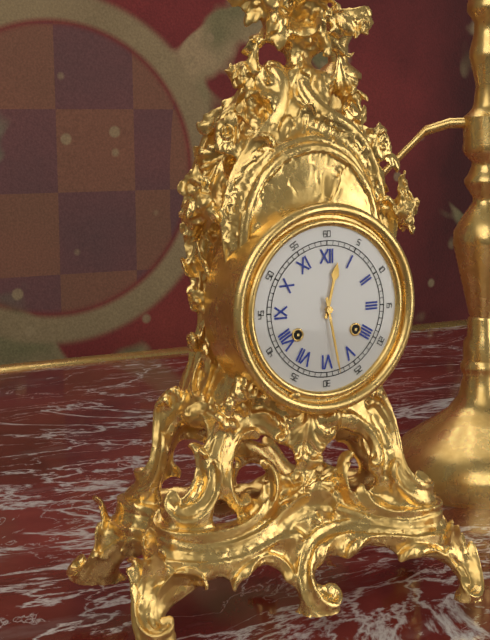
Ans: 12:28
